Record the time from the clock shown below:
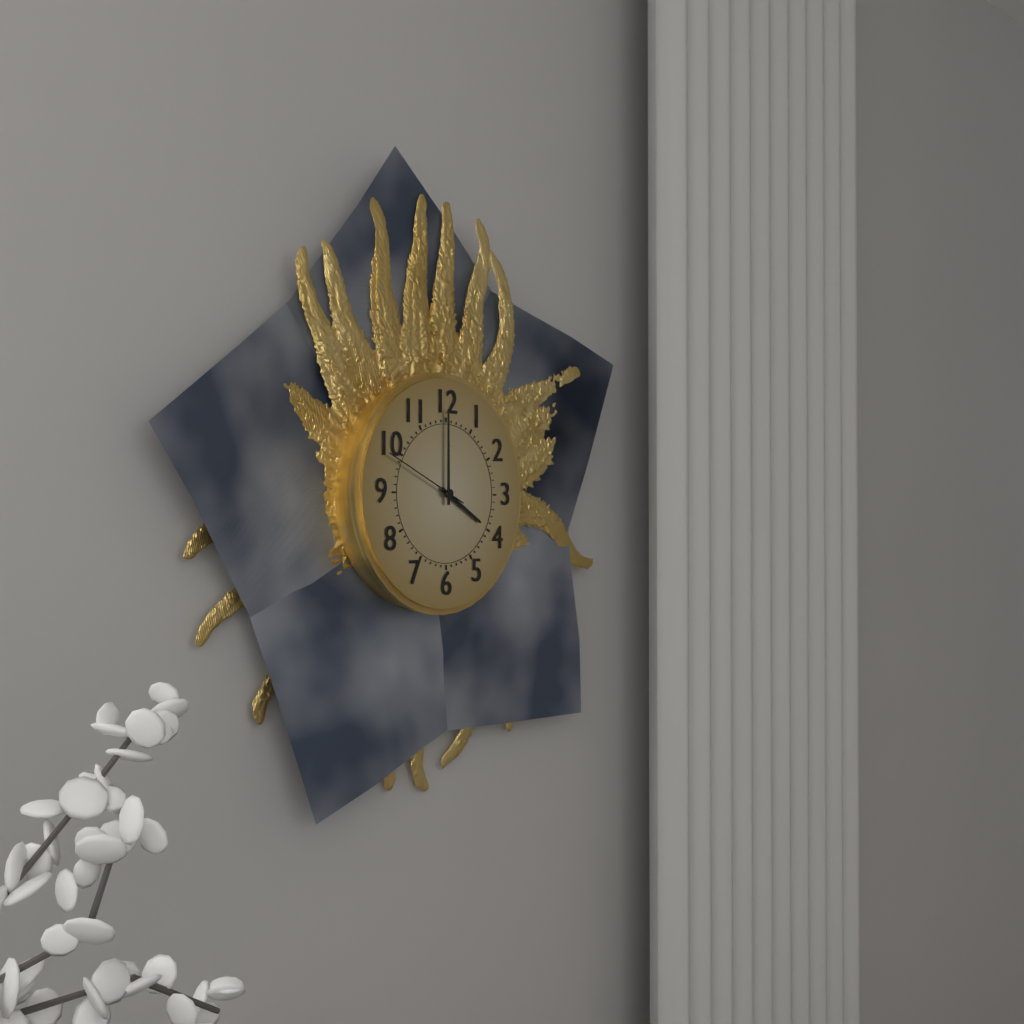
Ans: 4:00:49
